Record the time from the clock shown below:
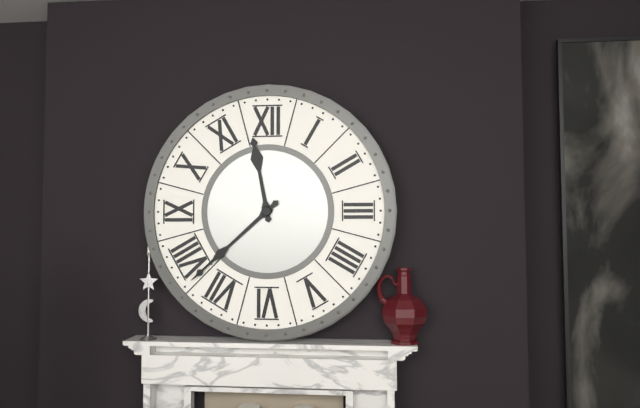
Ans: 11:38
